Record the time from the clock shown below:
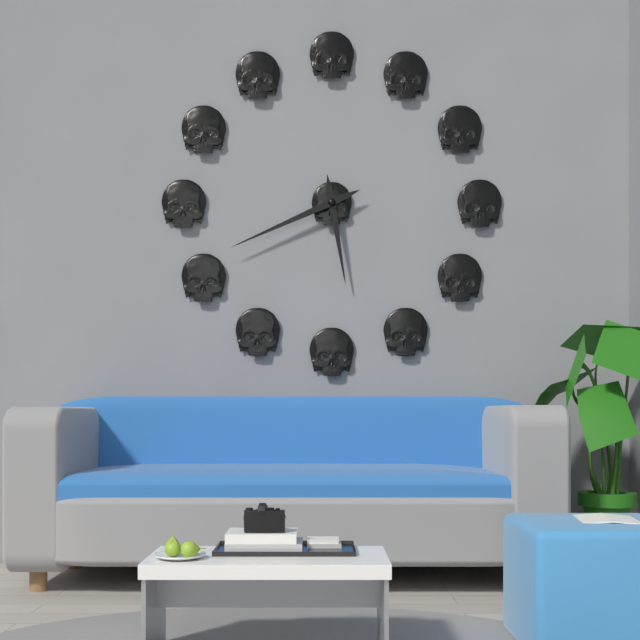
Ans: 5:41
